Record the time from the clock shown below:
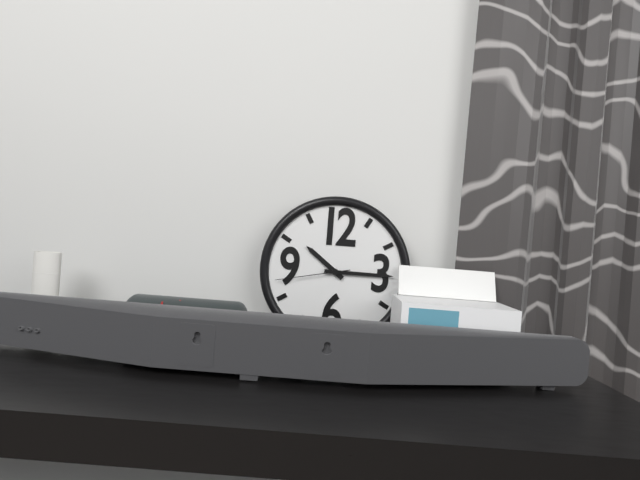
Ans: 10:15:43
